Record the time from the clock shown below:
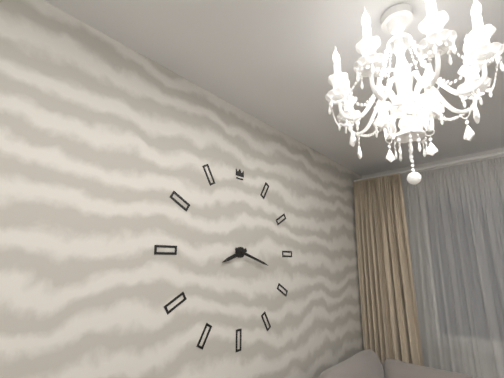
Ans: 8:18
